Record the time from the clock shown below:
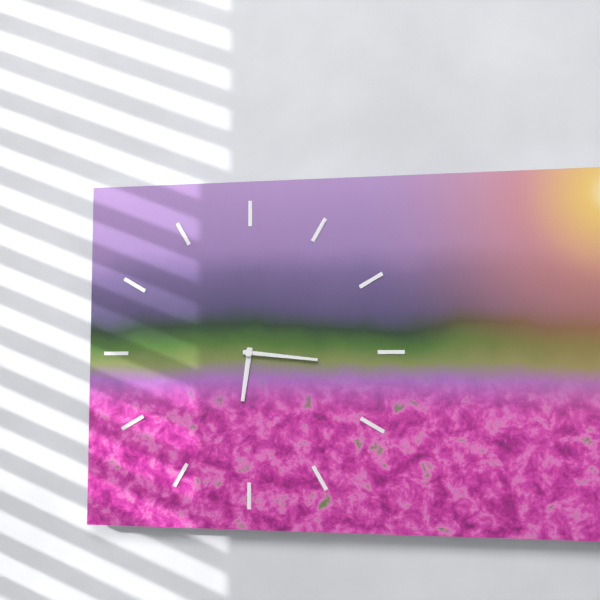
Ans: 6:16
